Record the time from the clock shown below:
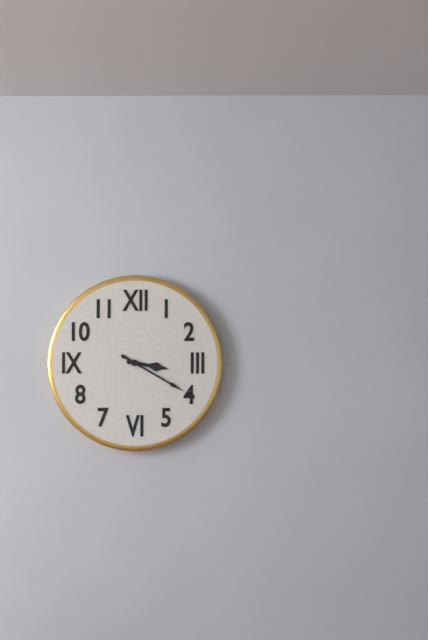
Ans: 3:20
